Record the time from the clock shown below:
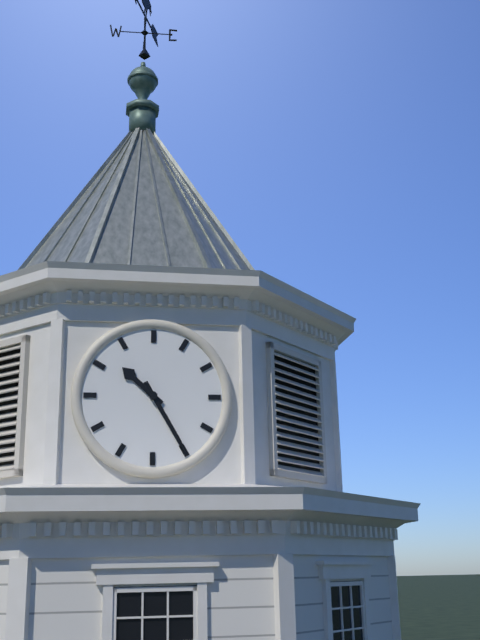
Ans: 10:25
